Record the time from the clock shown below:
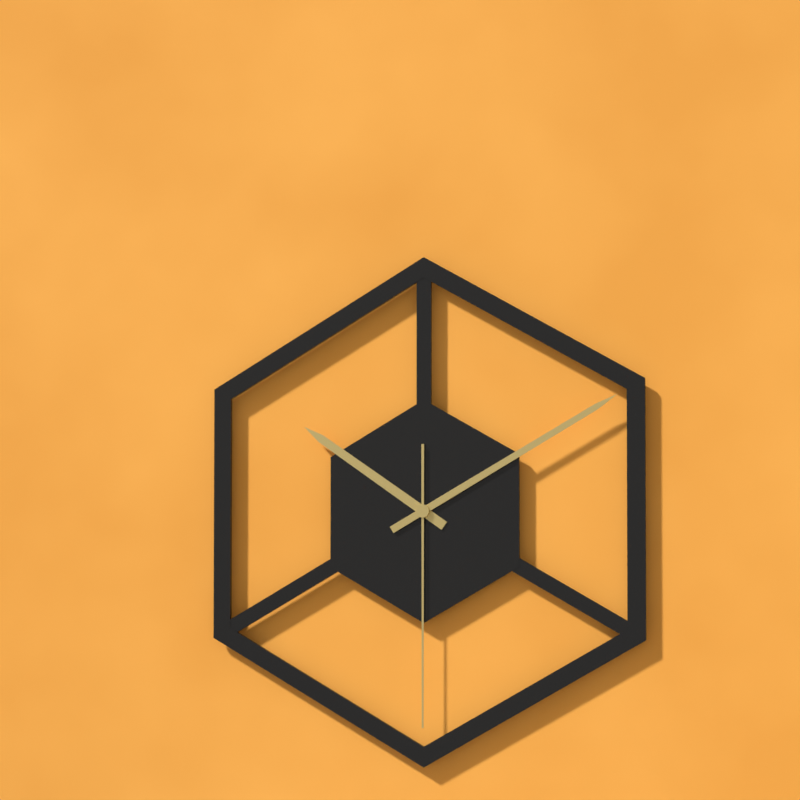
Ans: 10:10:30
